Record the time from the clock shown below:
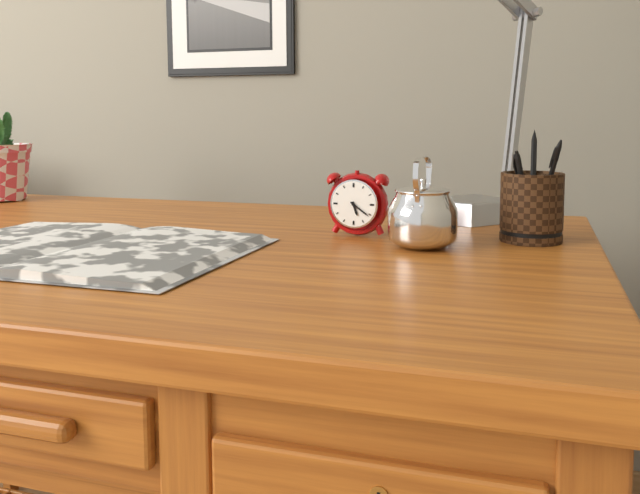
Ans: 5:21
